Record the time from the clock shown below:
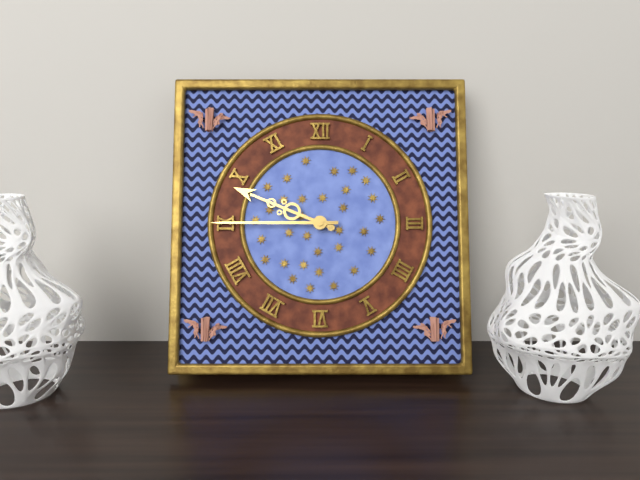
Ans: 9:45
